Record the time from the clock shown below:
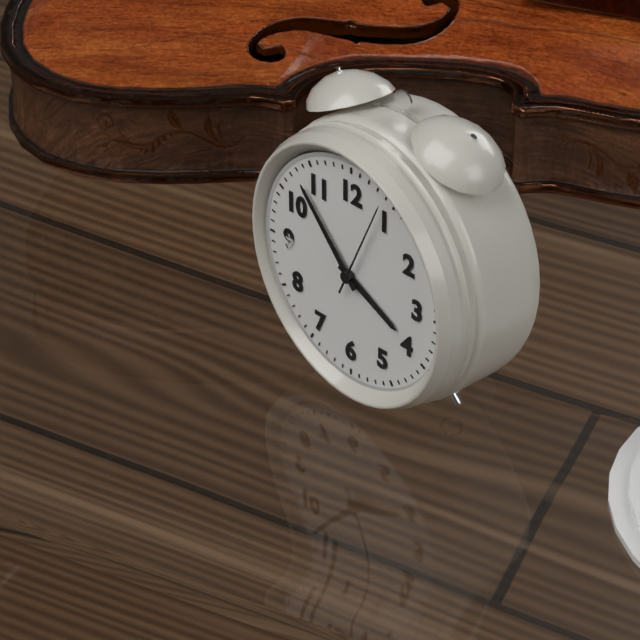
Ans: 3:53:04
